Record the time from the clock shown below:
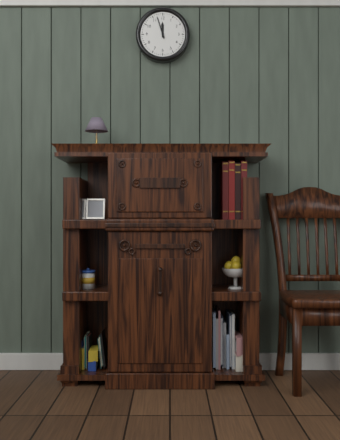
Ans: 11:57
